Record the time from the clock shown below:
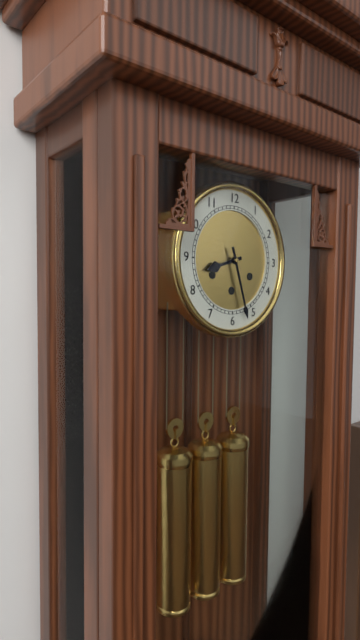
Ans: 8:27
